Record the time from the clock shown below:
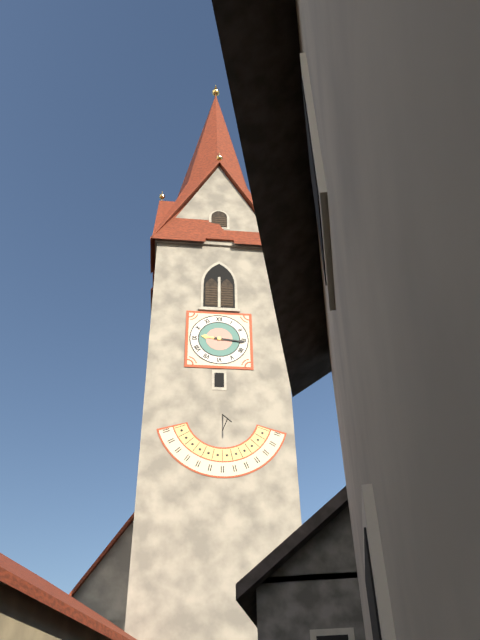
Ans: 9:16
